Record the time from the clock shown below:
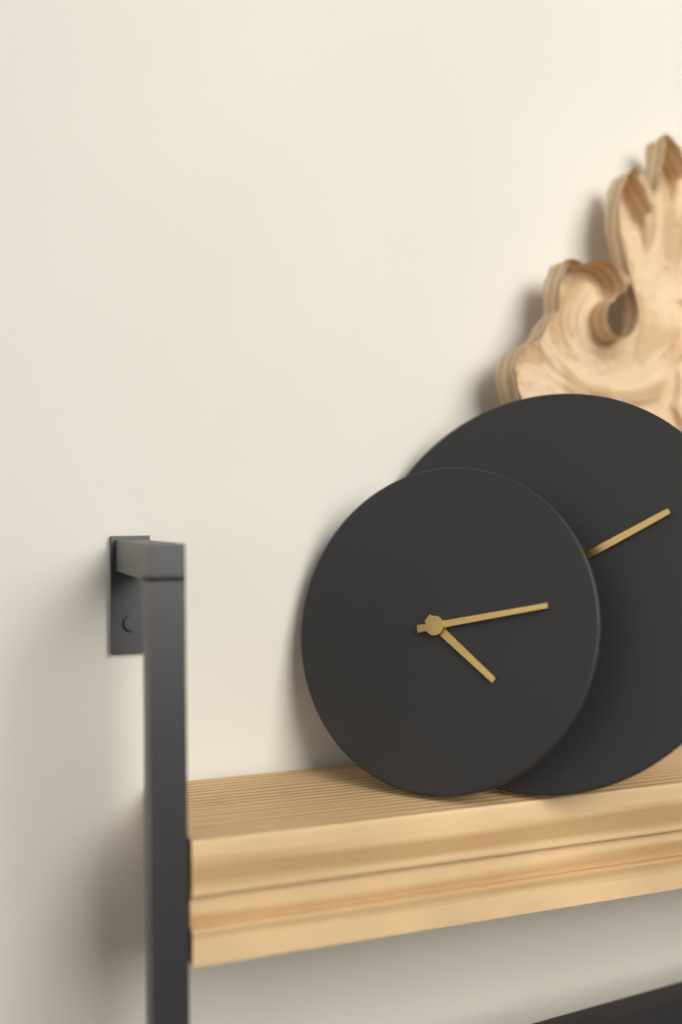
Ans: 4:13
